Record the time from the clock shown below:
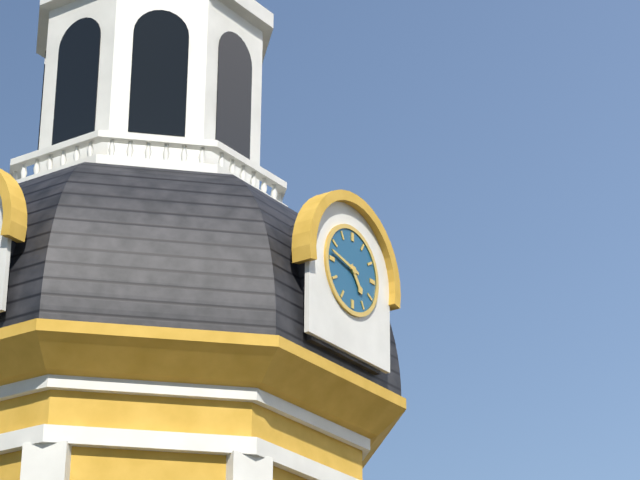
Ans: 4:47
